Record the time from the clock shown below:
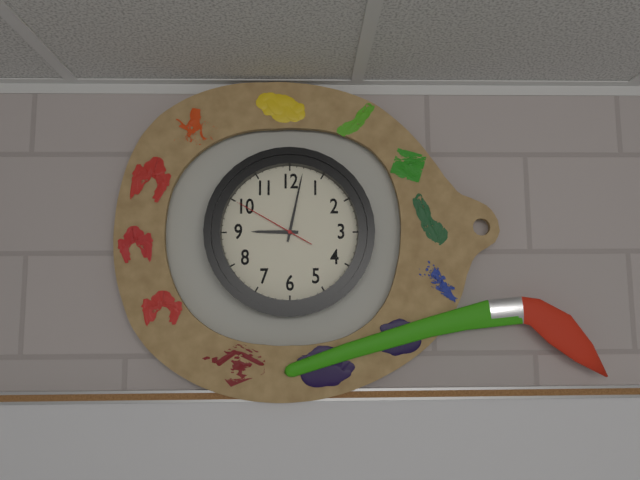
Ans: 9:02:50
